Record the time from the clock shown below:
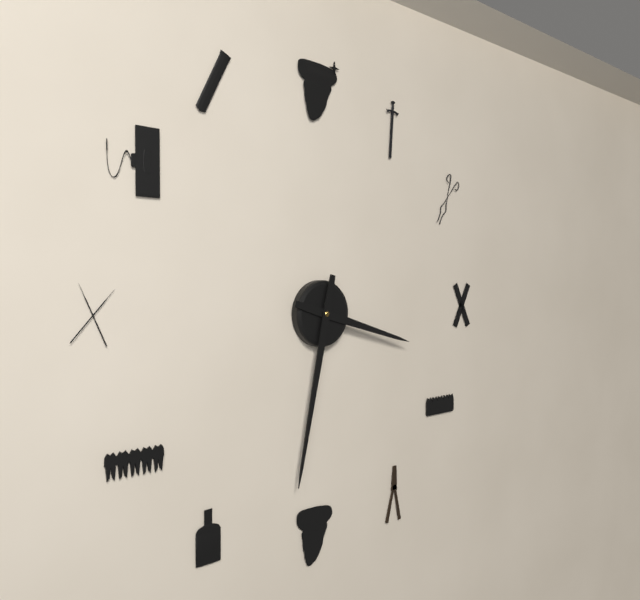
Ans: 3:32
